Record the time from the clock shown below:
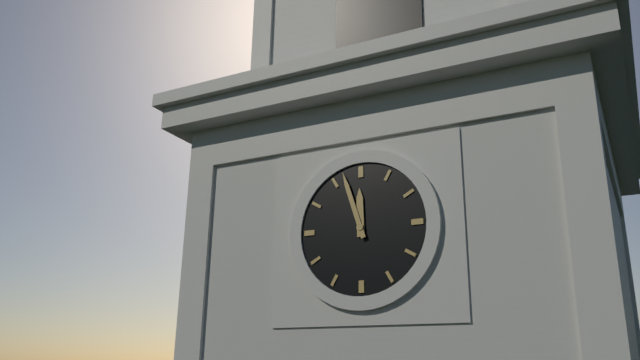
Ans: 11:57
